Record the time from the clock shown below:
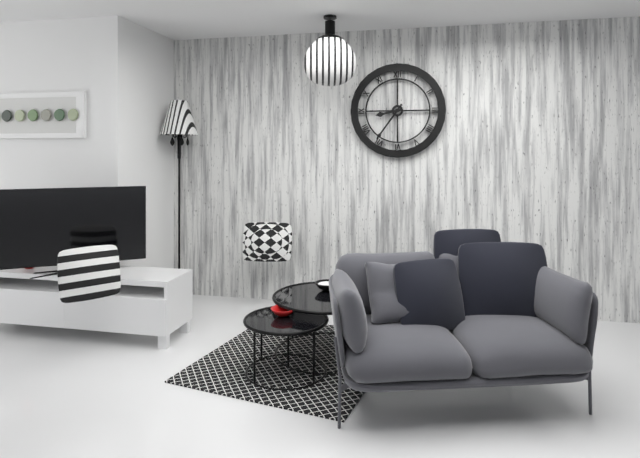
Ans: 8:36
